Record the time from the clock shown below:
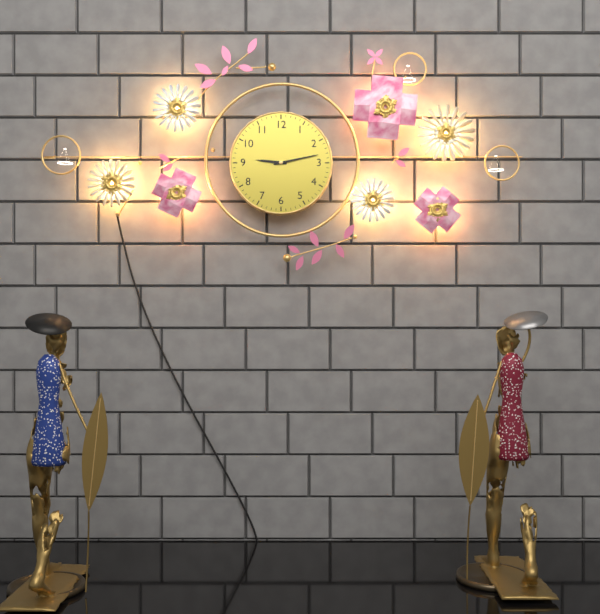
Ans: 9:13
